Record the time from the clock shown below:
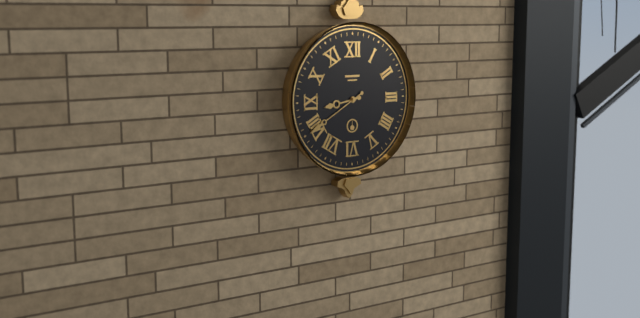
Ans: 8:40
